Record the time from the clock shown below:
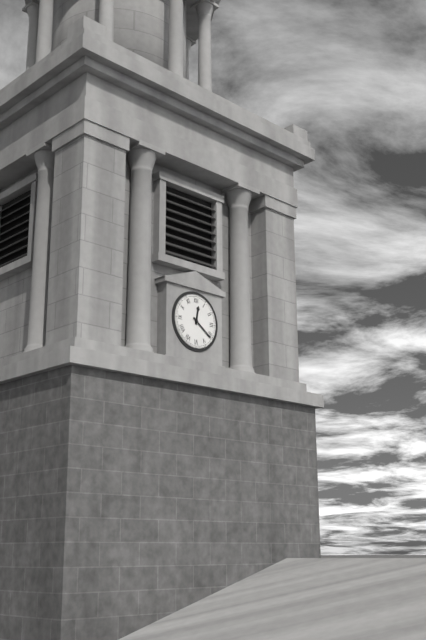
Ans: 12:21
